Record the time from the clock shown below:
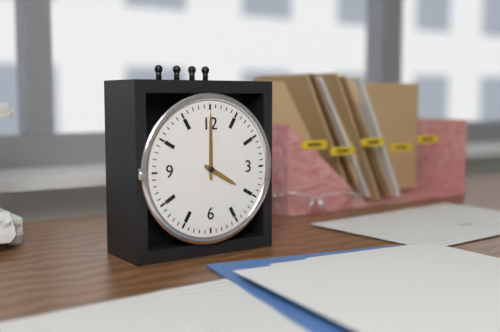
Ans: 4:00
